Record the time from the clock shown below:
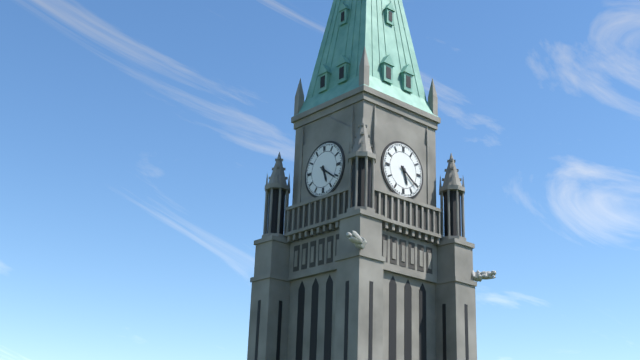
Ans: 5:21
